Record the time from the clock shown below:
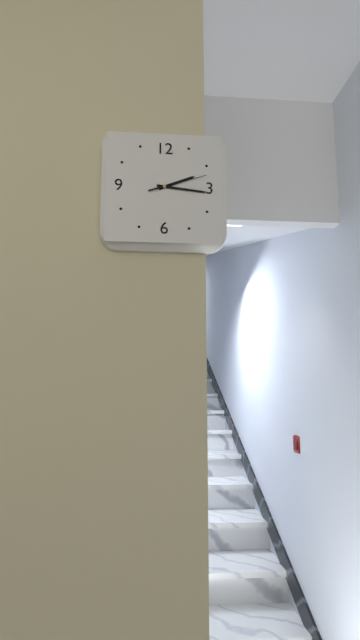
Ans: 2:16:12
